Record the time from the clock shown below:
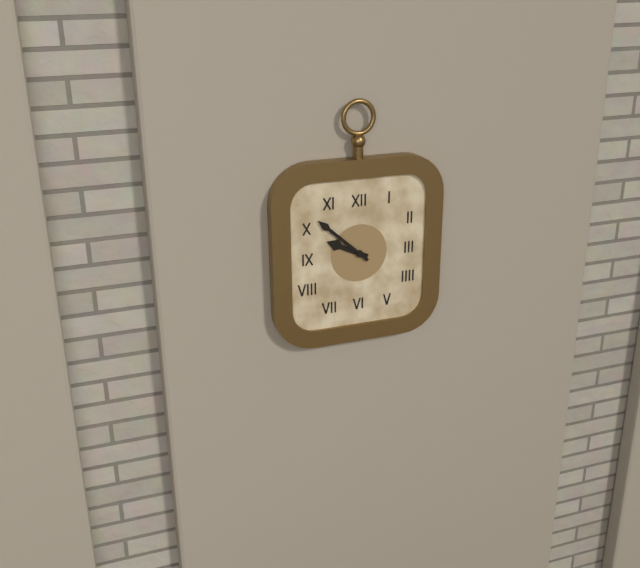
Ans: 9:52
